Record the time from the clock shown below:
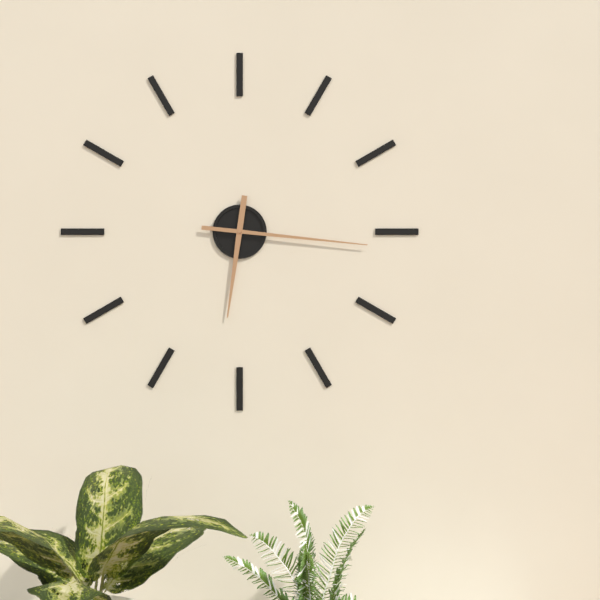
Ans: 6:16
